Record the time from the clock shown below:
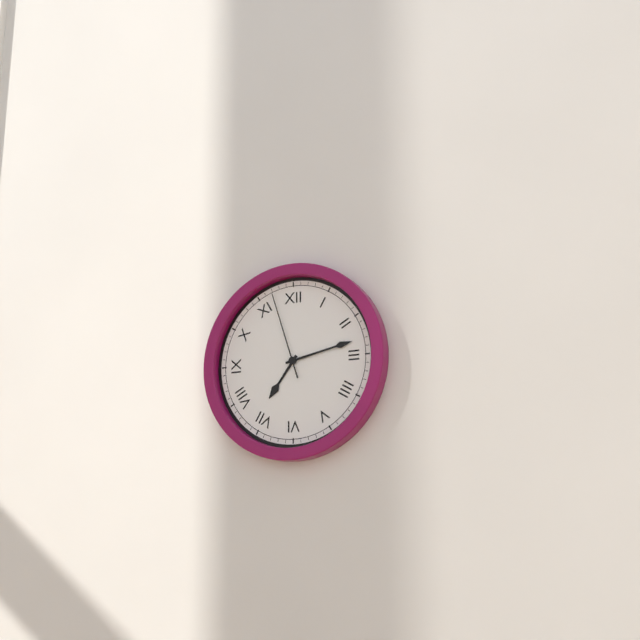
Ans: 7:13:57
